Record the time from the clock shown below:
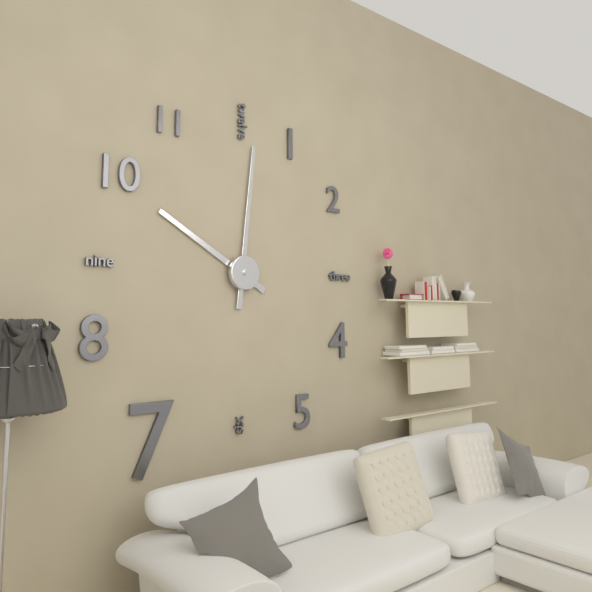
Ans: 10:01
